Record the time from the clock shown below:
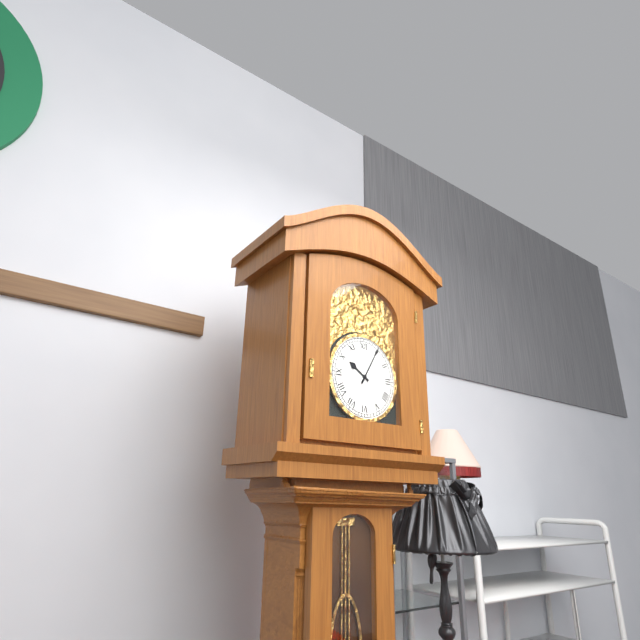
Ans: 10:05
